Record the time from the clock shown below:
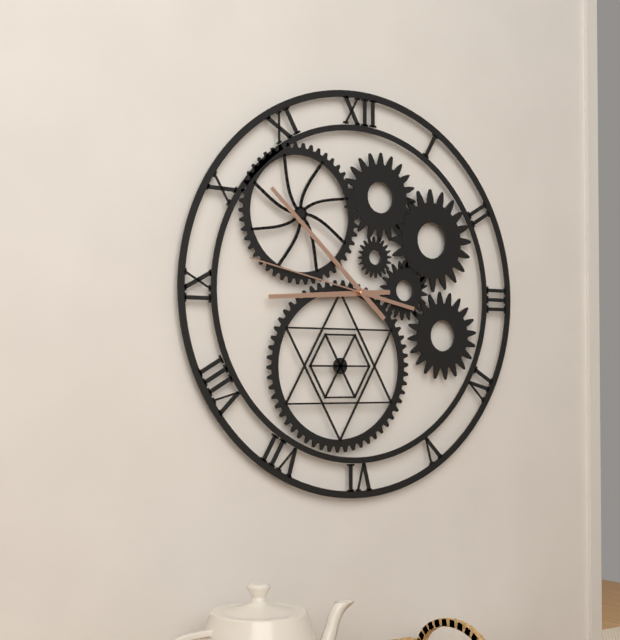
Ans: 8:52:47
